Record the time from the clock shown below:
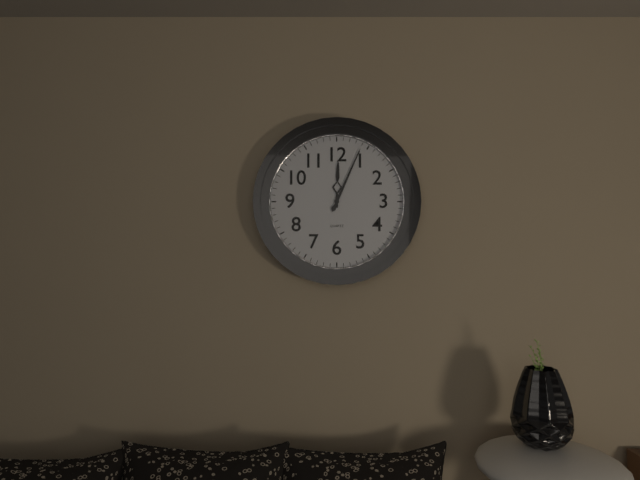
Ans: 12:04
